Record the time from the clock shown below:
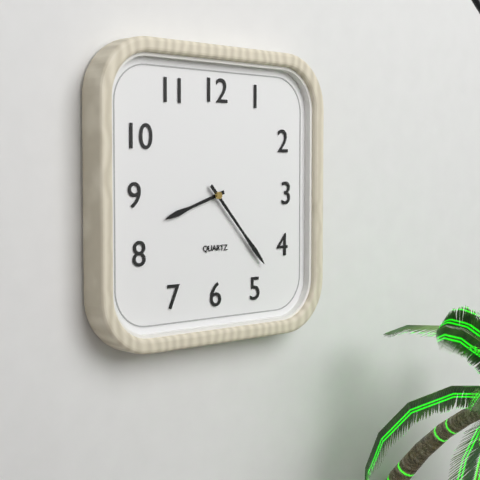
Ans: 8:23
